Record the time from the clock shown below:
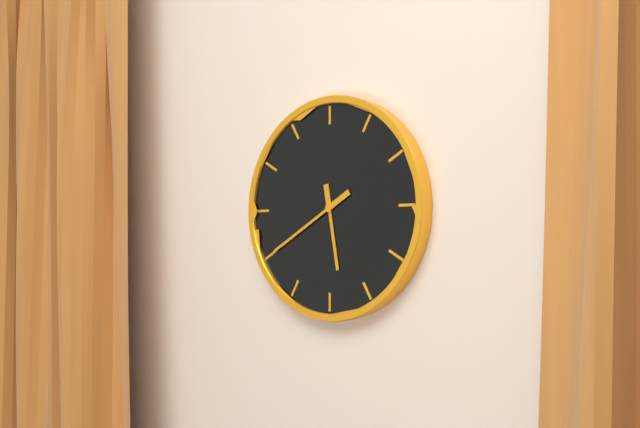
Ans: 5:40
